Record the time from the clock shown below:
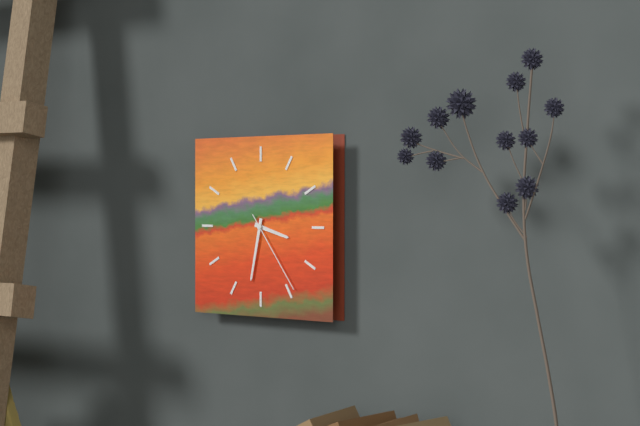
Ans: 3:32:24
